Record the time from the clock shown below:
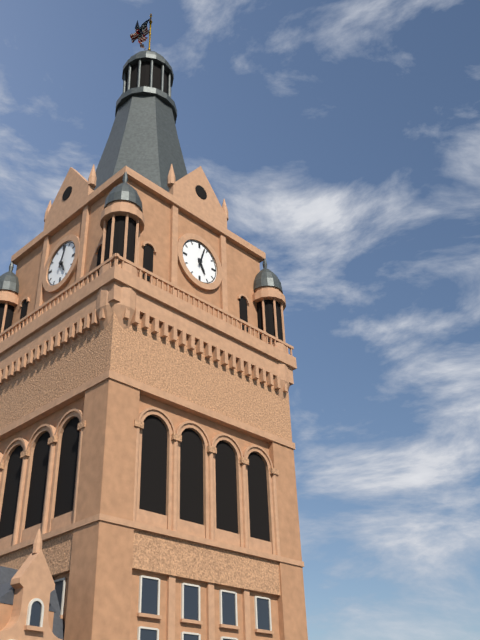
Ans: 5:03
